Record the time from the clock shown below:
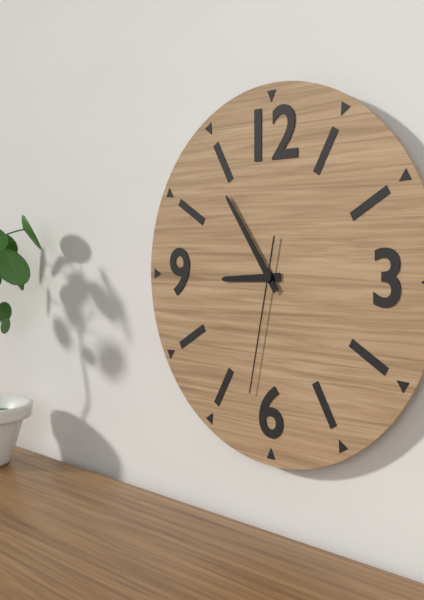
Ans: 8:54:32
